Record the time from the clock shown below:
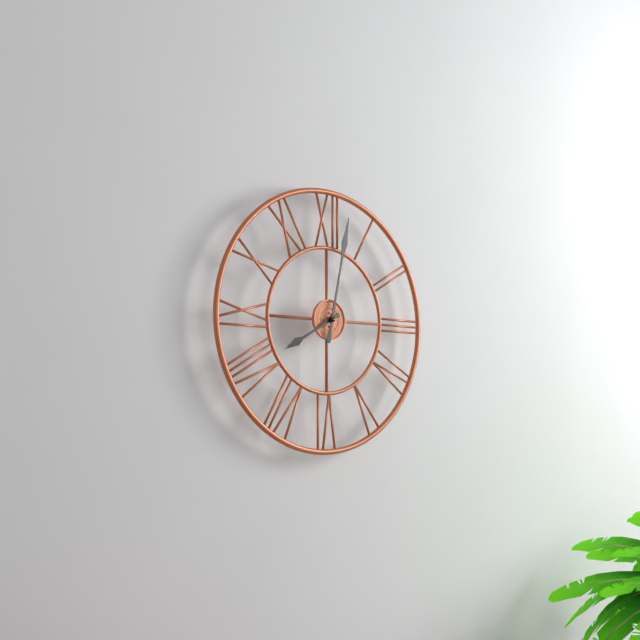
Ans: 8:02
